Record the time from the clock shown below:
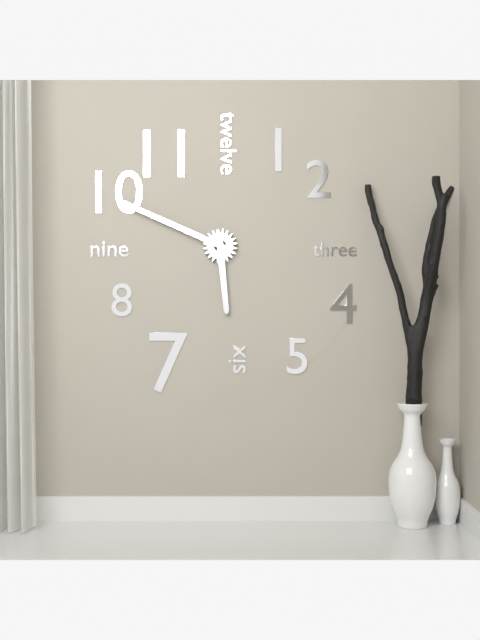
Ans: 5:49
